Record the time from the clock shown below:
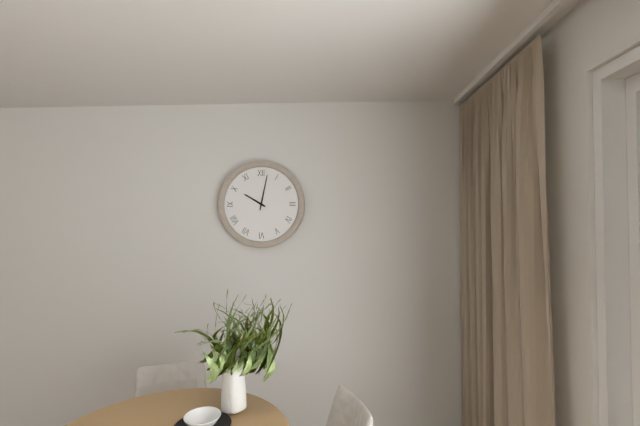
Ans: 10:02
